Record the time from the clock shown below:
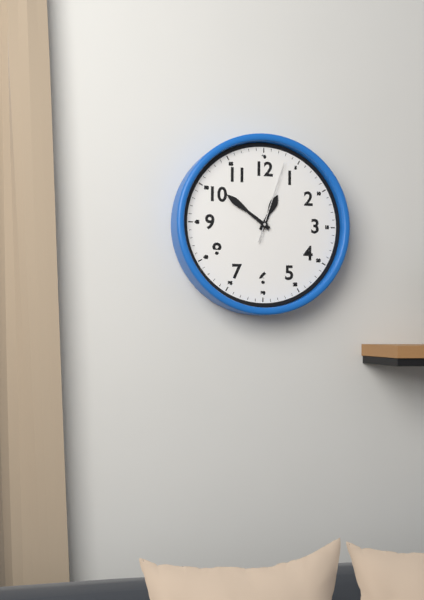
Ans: 12:51:03
